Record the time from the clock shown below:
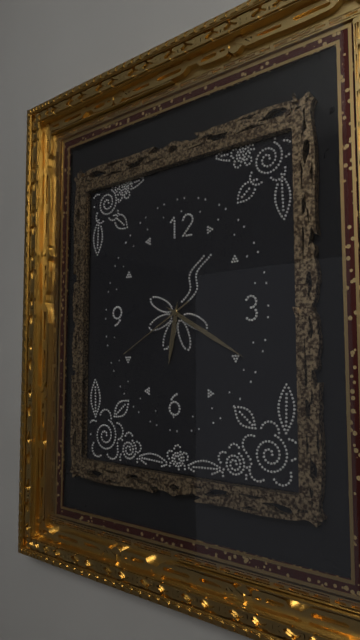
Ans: 6:20:40
